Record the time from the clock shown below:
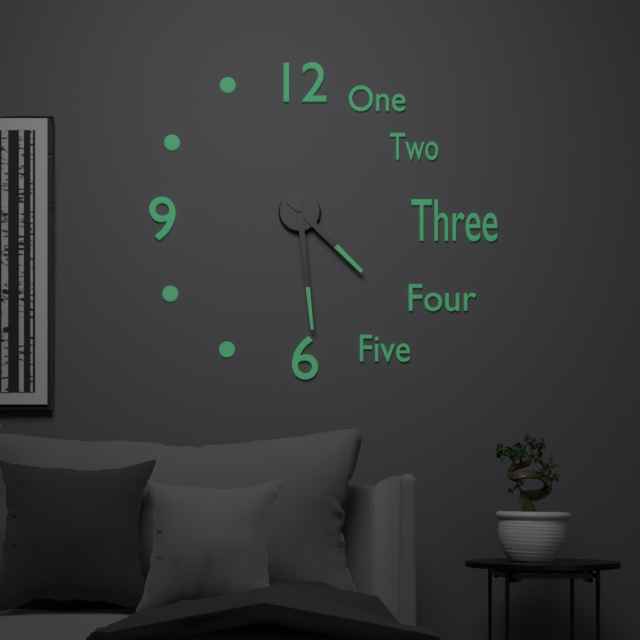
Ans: 4:29
